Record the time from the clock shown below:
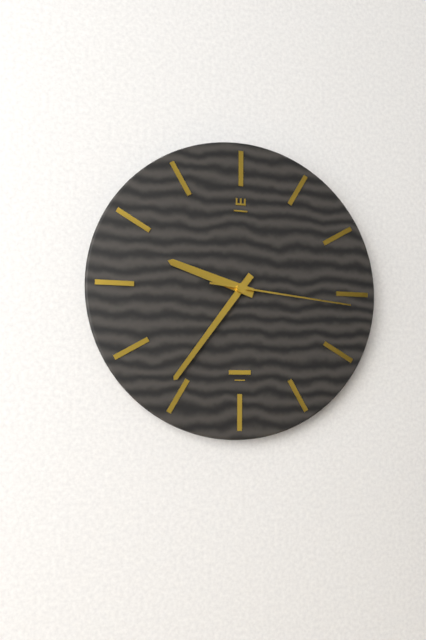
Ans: 9:36:16
